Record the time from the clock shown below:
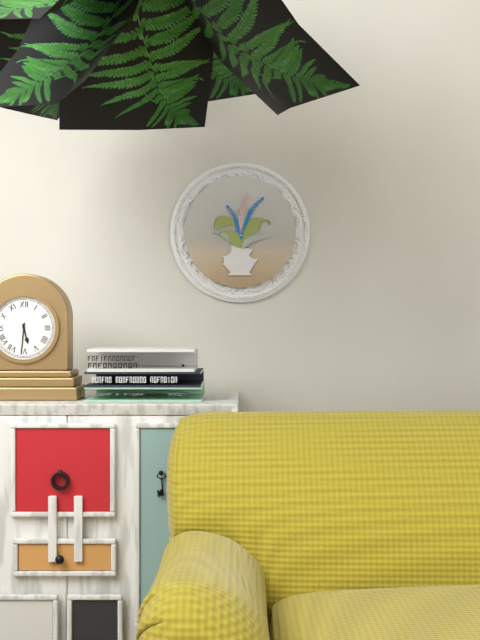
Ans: 5:31
